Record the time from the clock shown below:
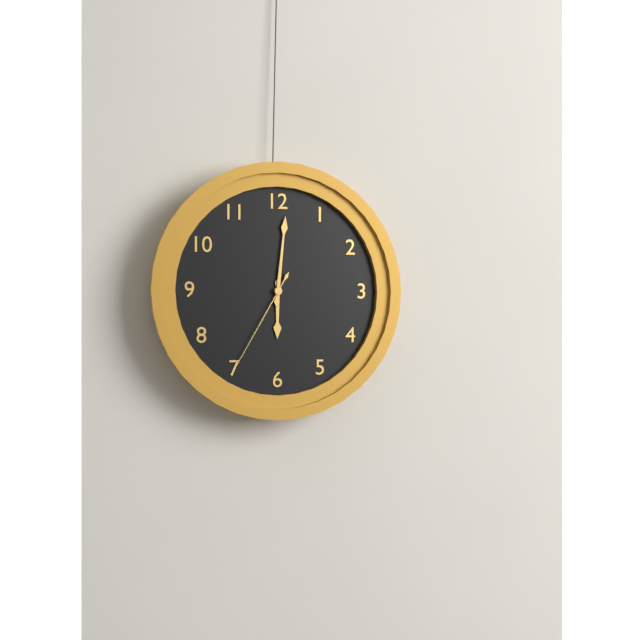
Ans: 6:01:35
